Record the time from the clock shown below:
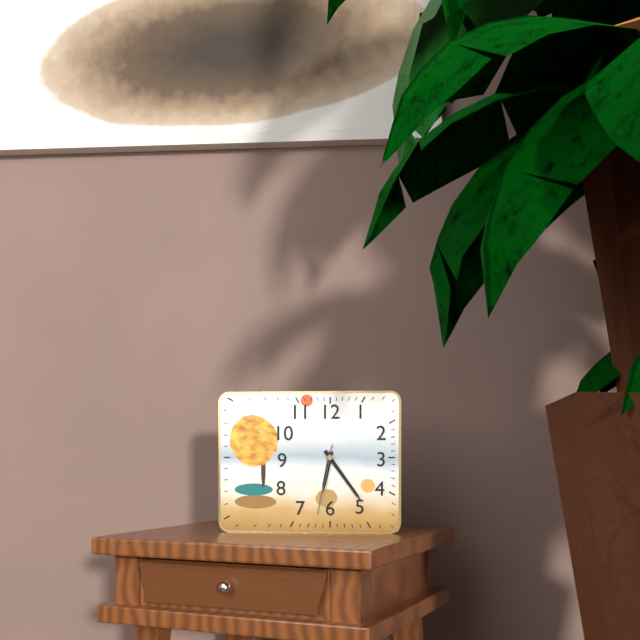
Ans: 6:24:32
